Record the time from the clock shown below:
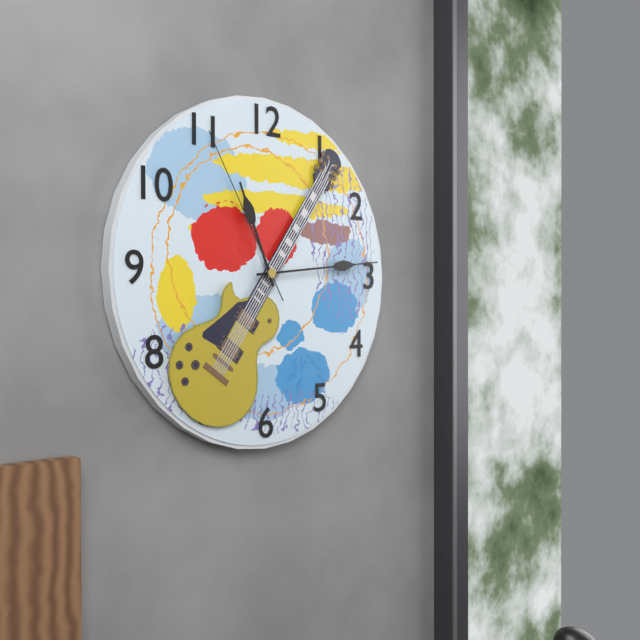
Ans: 11:14:55
